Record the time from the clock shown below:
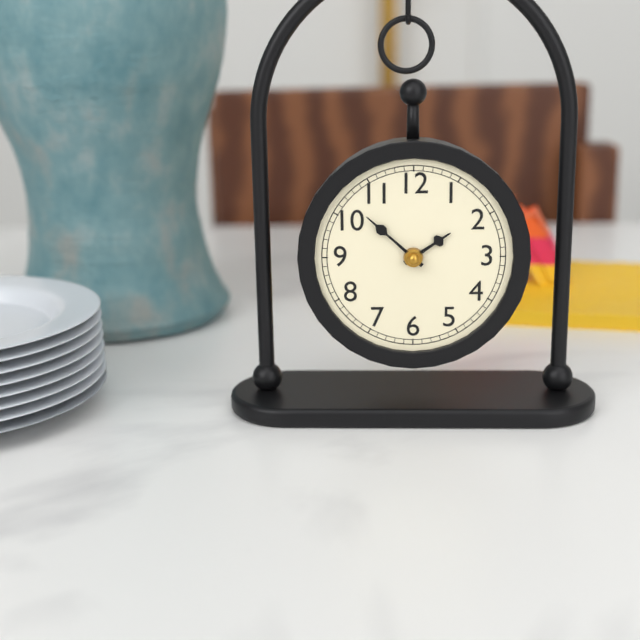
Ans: 1:52
